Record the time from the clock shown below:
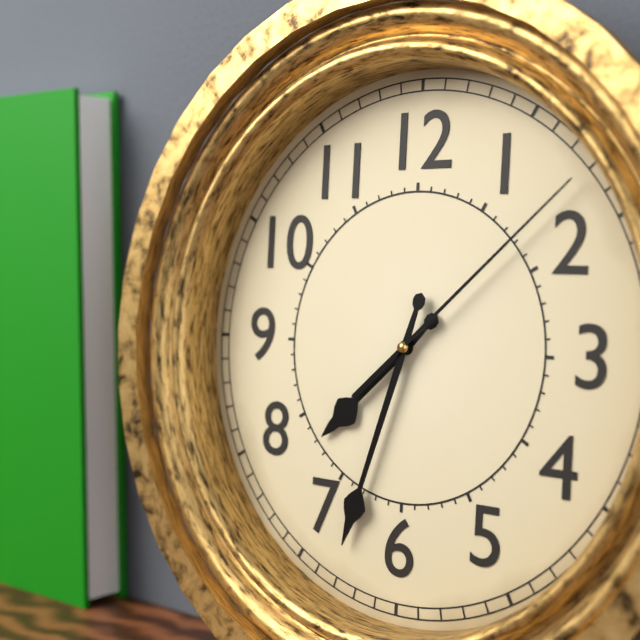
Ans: 7:33:08
